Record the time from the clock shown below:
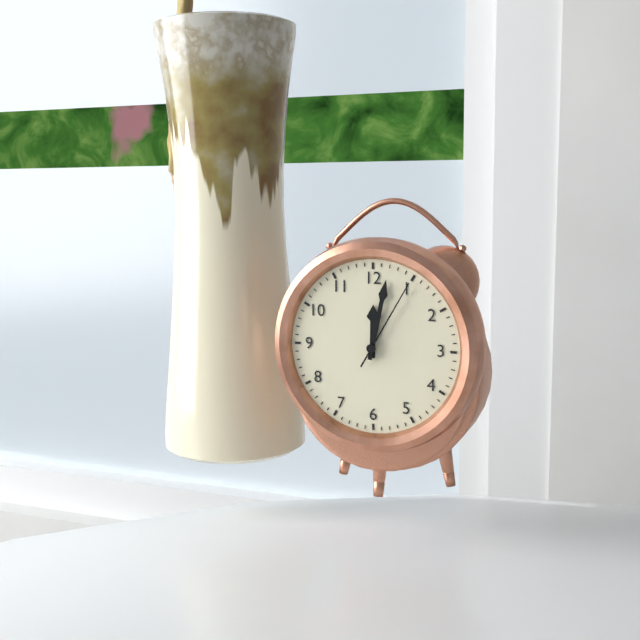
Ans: 12:02:05
